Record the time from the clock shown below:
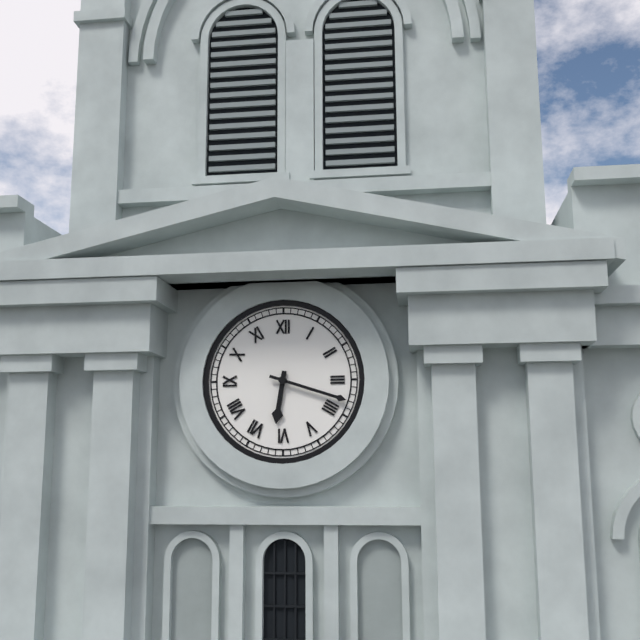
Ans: 6:18
